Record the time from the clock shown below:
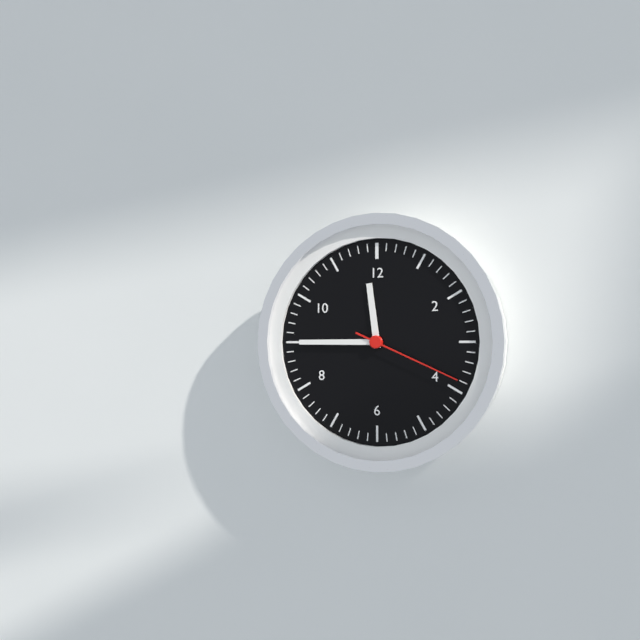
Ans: 11:45:19
